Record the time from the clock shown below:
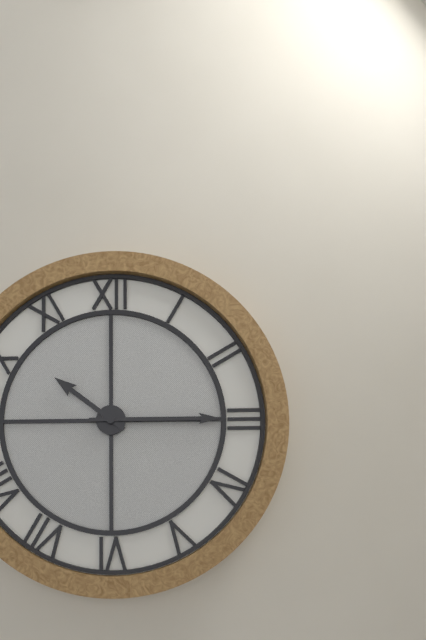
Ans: 10:15
